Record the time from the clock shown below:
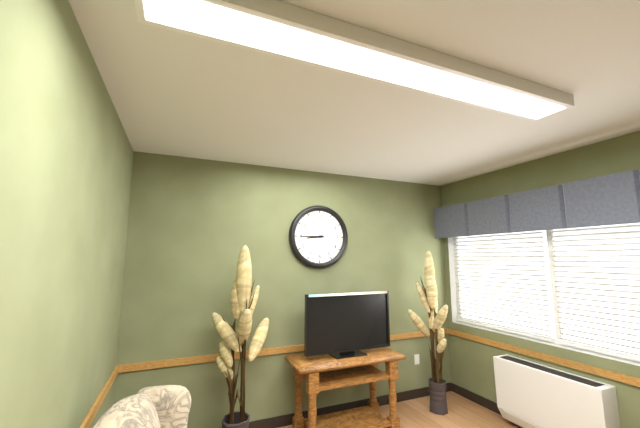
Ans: 8:45
